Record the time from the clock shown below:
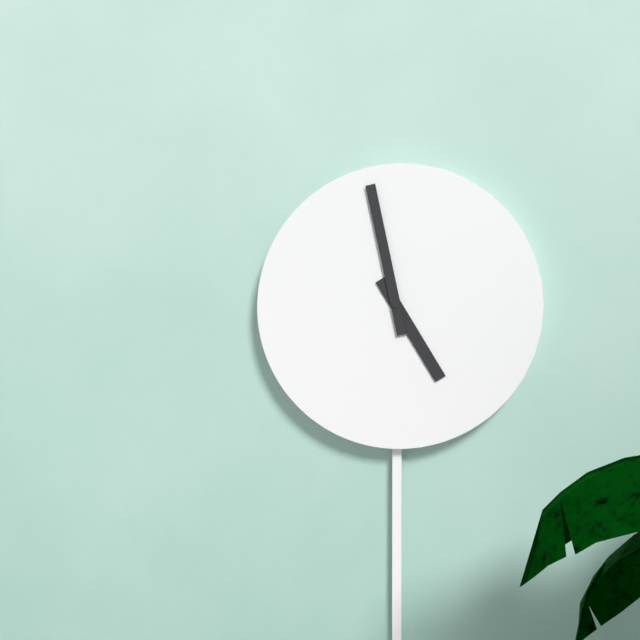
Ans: 4:58
